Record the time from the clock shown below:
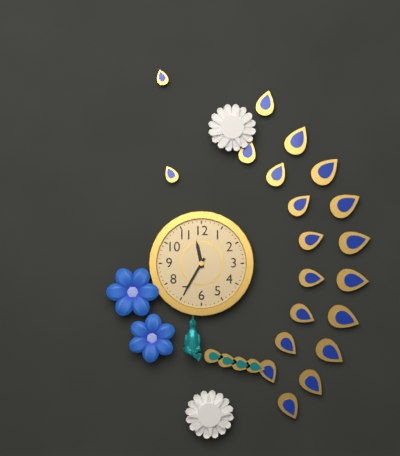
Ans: 11:35
